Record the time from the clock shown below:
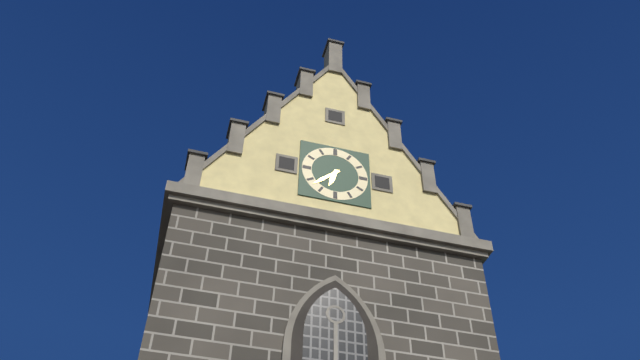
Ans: 6:38
